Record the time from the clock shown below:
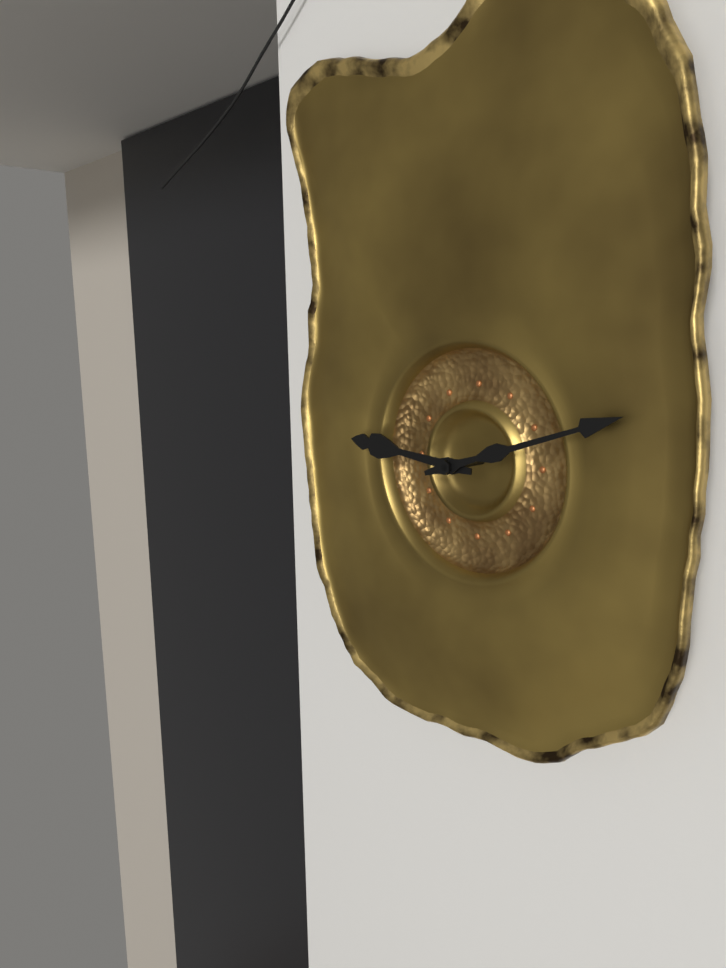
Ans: 9:12
